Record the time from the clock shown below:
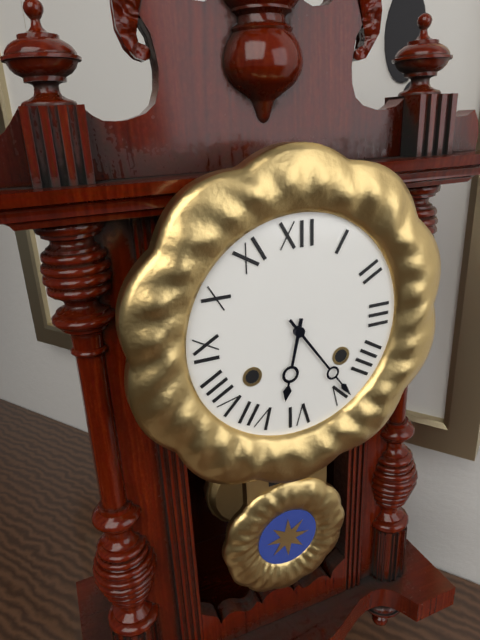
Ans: 6:24
